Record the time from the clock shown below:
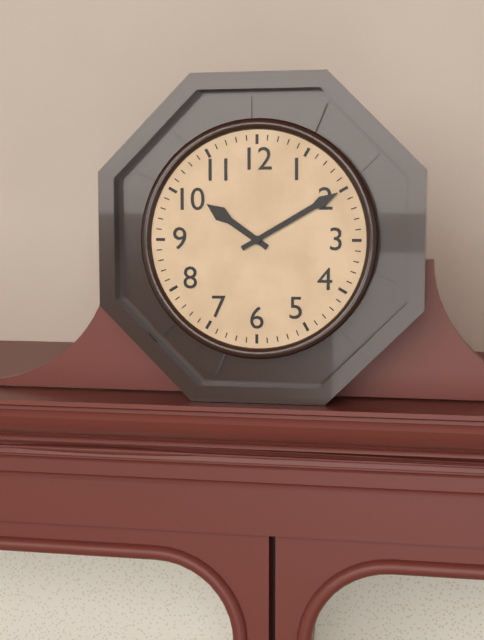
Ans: 10:10
